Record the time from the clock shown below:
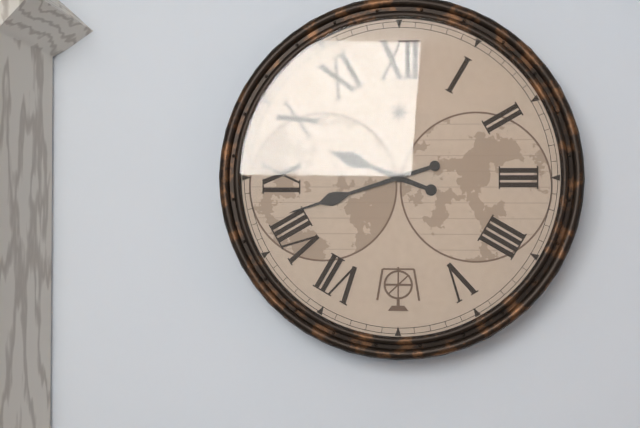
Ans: 9:42
